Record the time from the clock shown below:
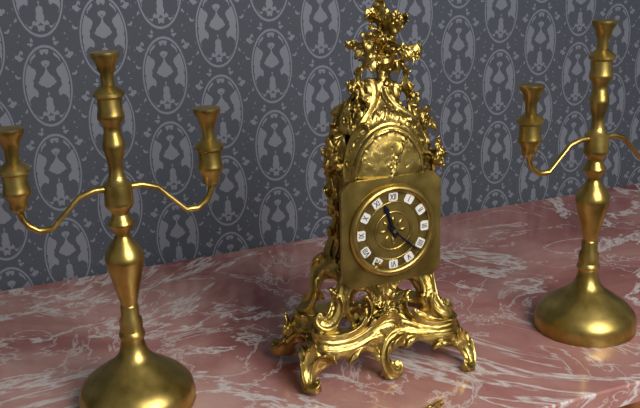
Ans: 11:22
